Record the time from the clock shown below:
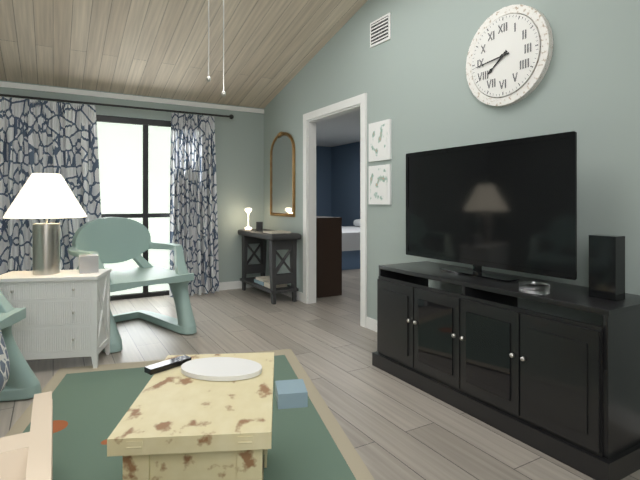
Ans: 7:44
